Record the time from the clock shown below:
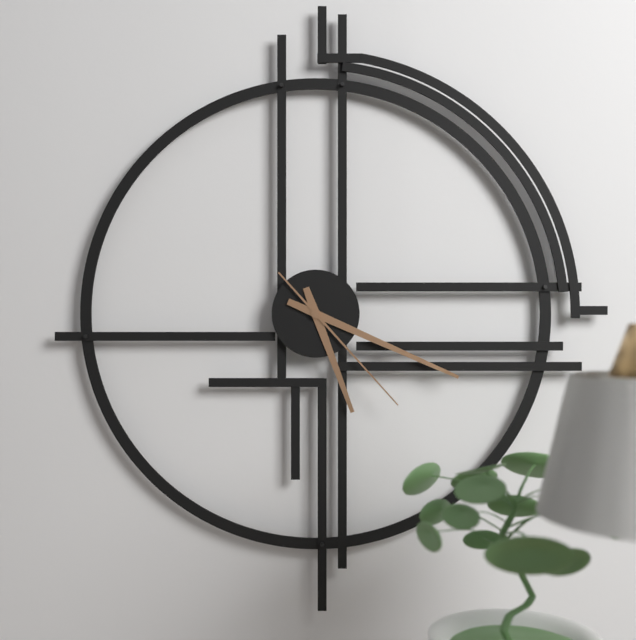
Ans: 5:19:23
